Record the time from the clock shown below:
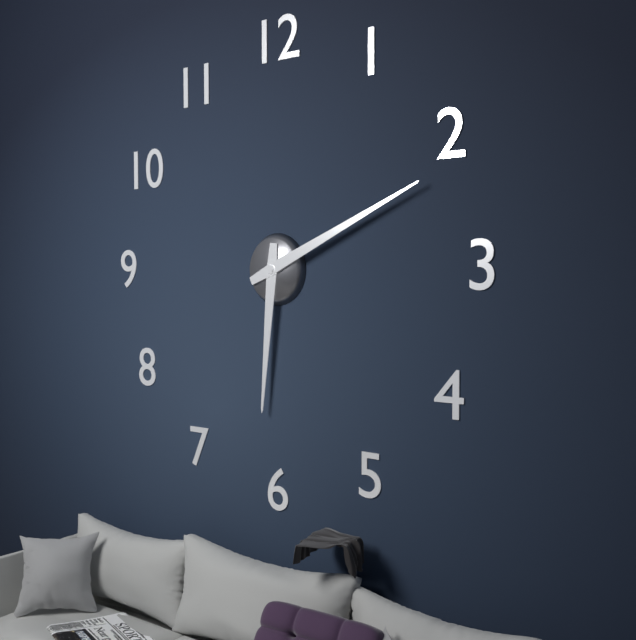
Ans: 6:11
